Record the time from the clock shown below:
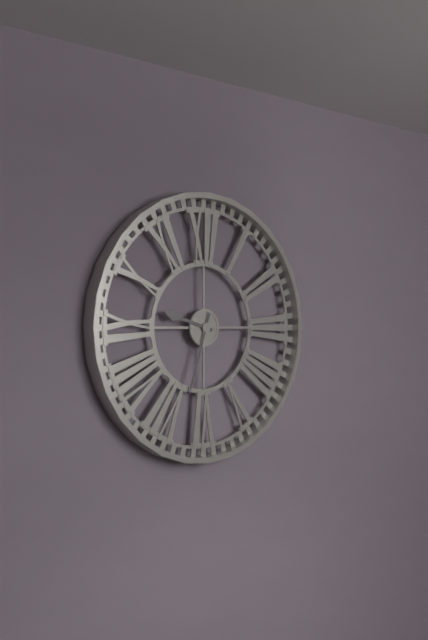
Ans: 9:33
